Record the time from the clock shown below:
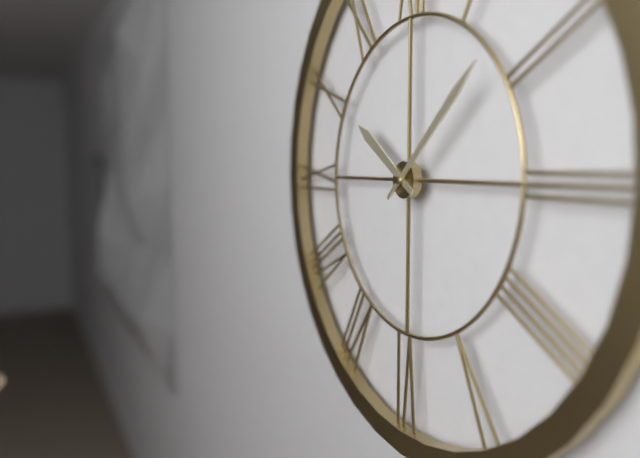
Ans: 10:08
